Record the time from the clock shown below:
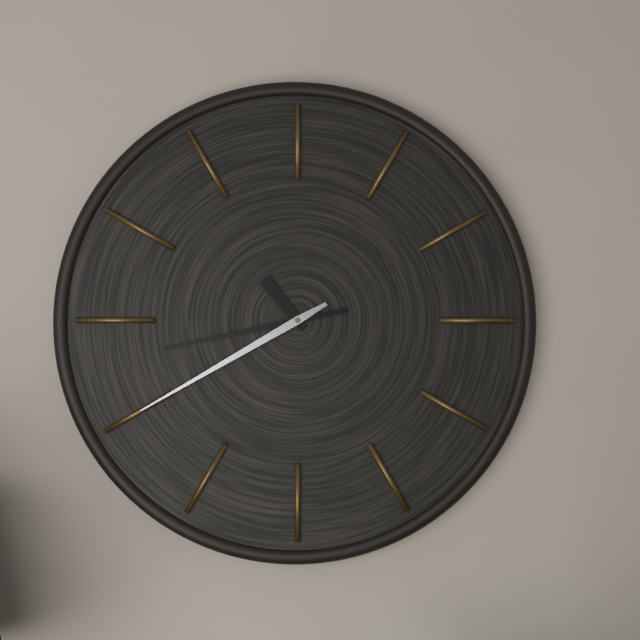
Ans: 10:43:40
